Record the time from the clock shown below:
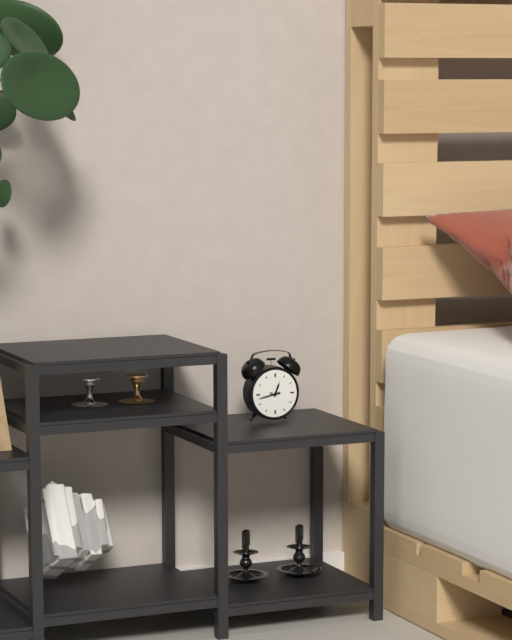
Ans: 12:43
